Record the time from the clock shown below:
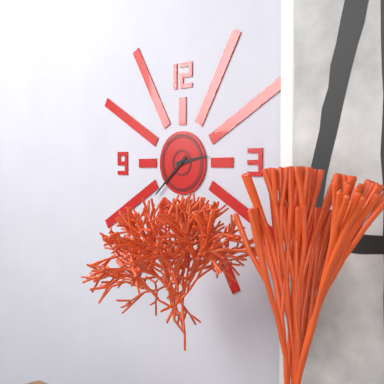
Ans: 2:38
